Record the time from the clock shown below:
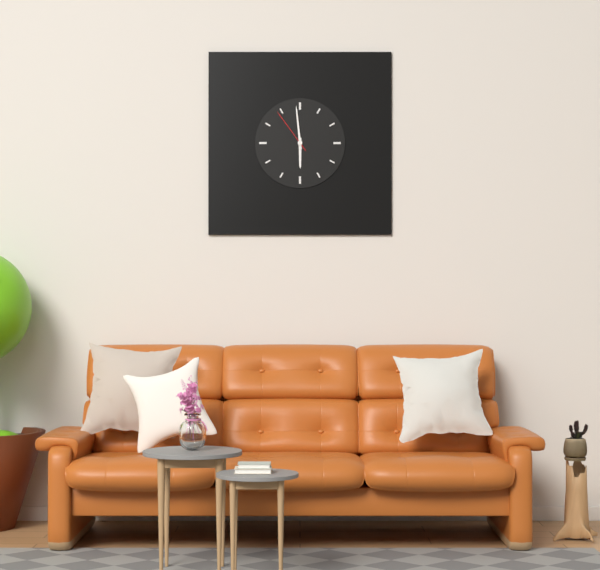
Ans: 5:59
